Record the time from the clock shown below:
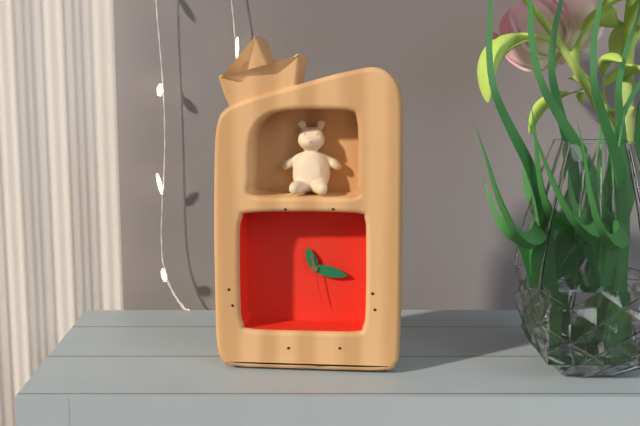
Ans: 11:17
